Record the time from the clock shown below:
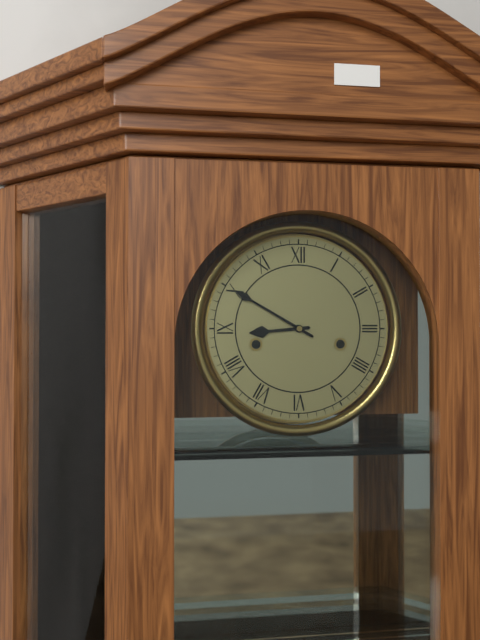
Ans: 8:50
